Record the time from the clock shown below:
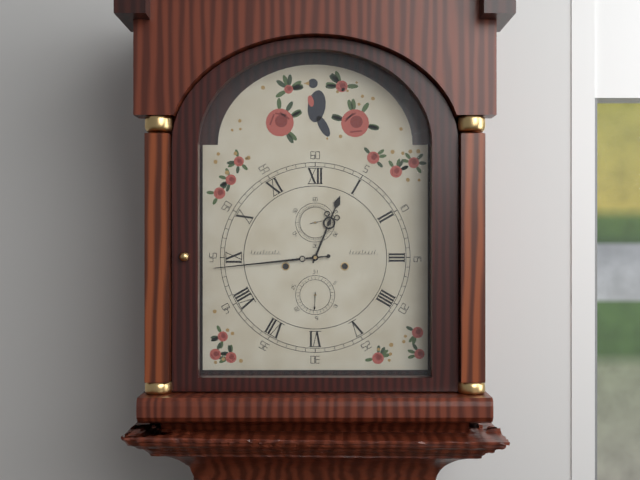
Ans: 12:44
